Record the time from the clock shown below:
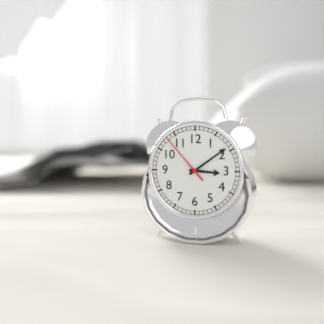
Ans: 3:09:53
